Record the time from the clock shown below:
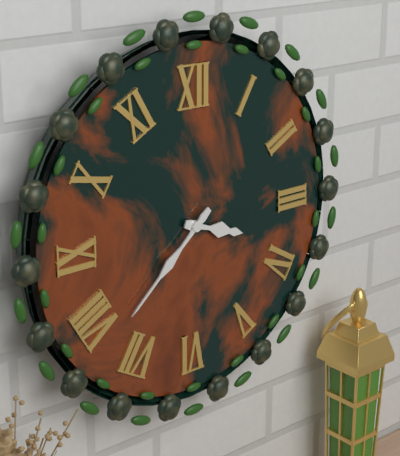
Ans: 3:38
